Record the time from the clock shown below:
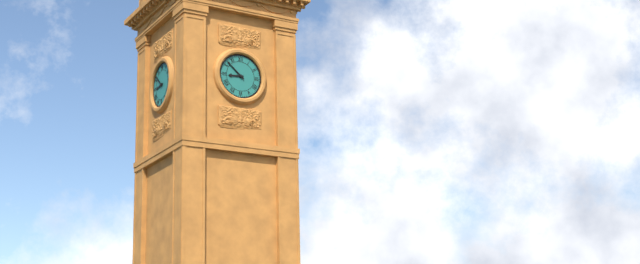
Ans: 8:52
